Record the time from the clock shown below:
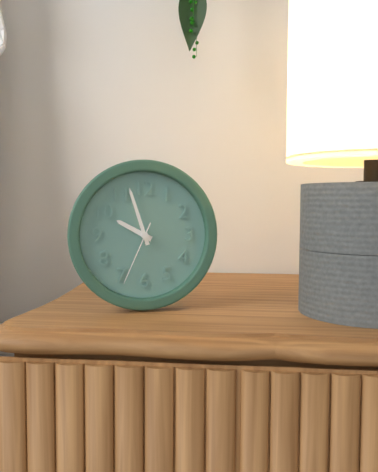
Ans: 9:57:34
